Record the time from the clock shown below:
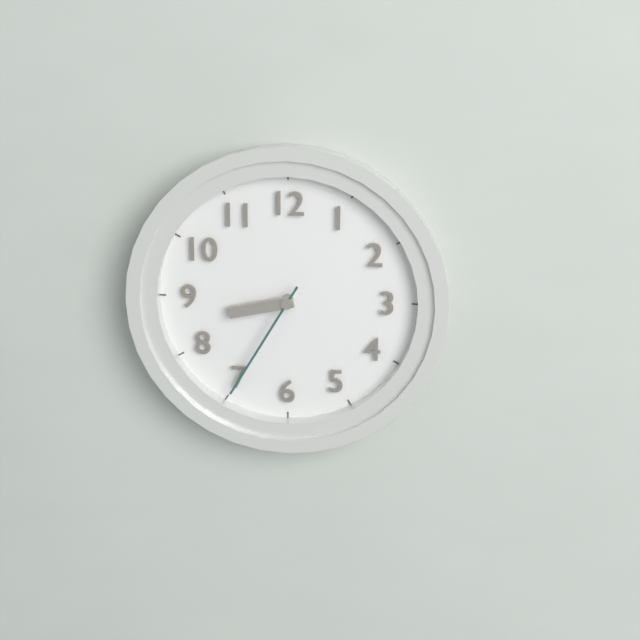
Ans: 8:35
